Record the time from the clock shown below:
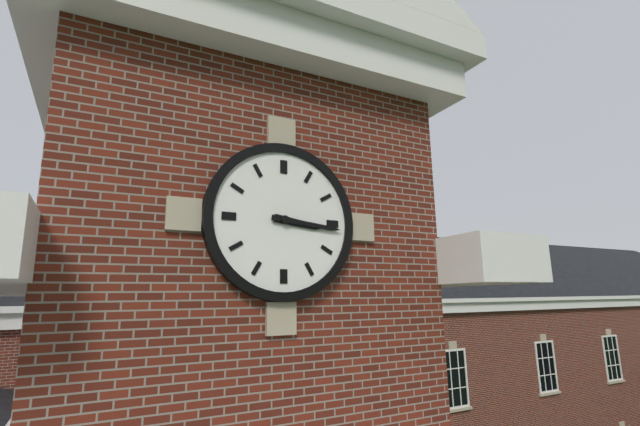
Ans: 3:16
